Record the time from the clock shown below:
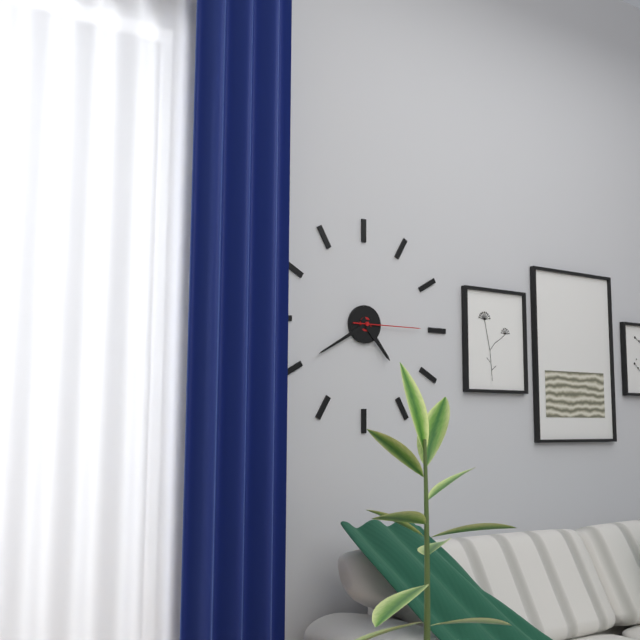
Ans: 4:40:15
